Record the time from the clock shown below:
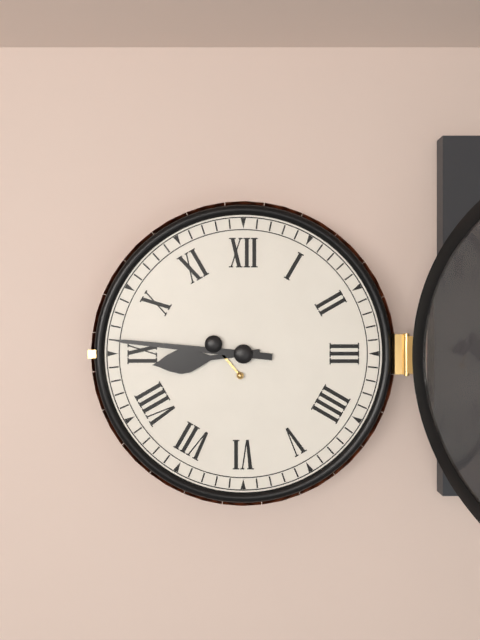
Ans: 8:46
